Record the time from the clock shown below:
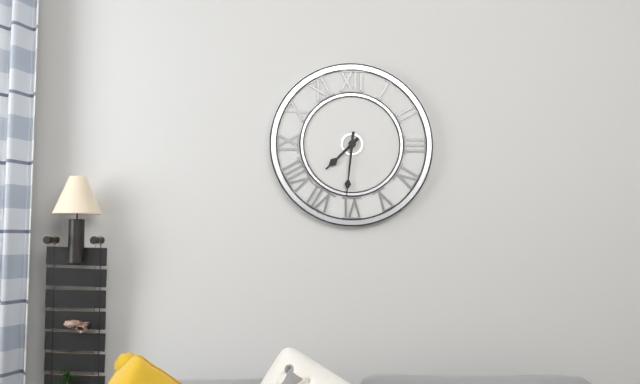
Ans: 7:31
